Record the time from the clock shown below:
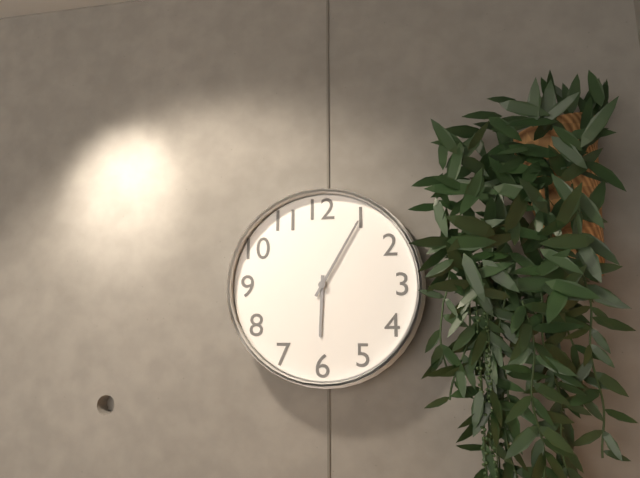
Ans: 6:05
